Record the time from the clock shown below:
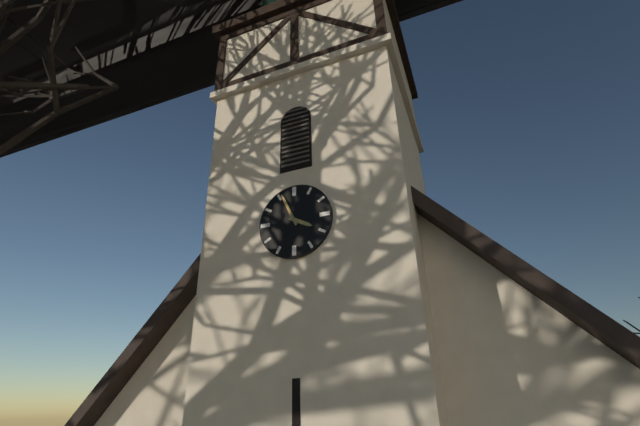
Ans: 3:56
